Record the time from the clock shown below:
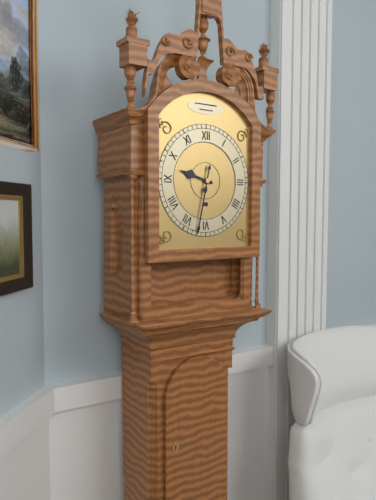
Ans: 9:32
